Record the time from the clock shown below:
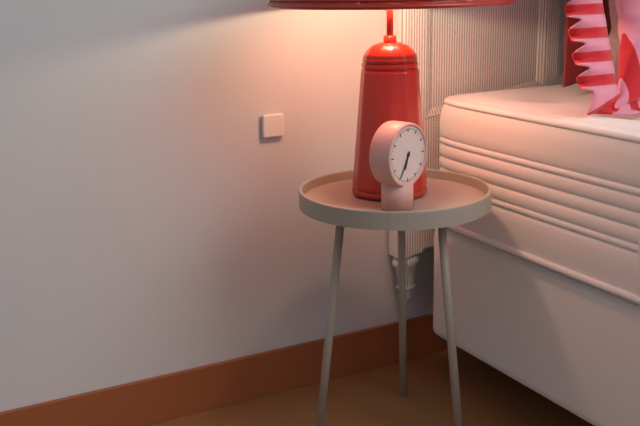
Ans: 6:35
